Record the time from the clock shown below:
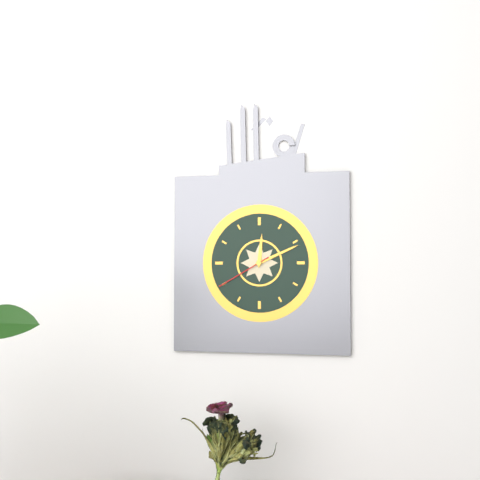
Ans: 12:11:40
